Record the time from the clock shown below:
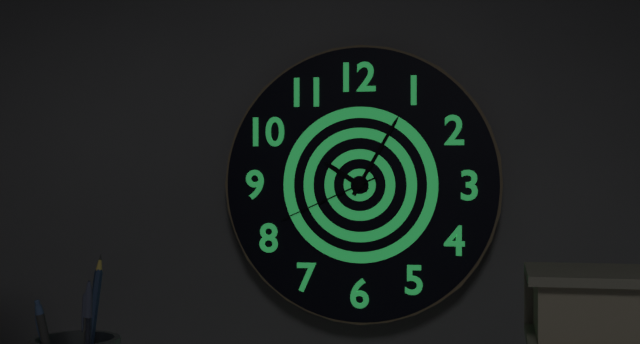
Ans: 10:05:41
